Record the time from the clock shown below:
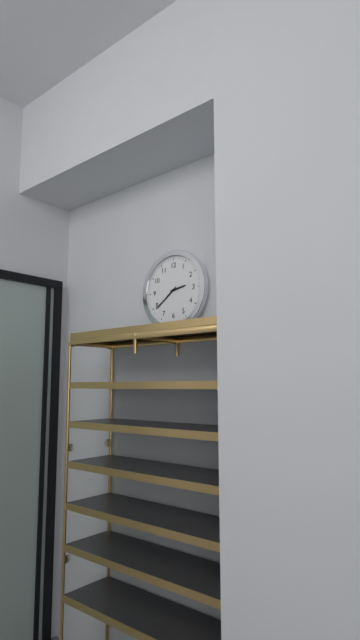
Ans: 2:39
